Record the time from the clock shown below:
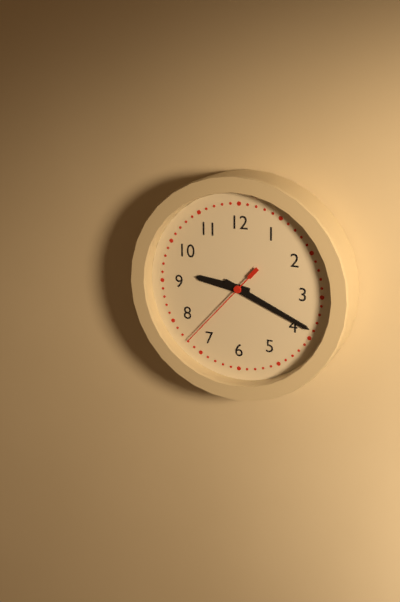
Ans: 9:19:37
